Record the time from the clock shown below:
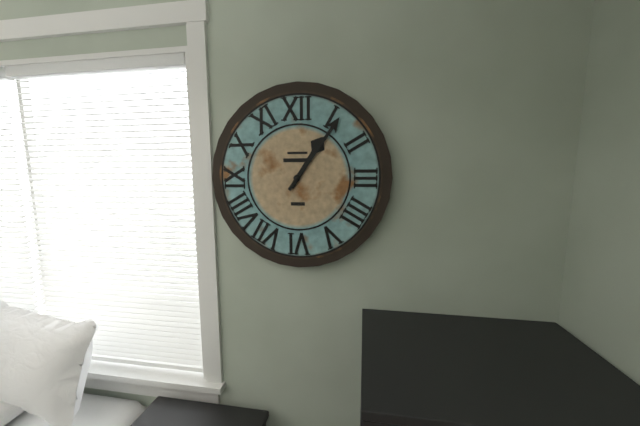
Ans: 1:06
